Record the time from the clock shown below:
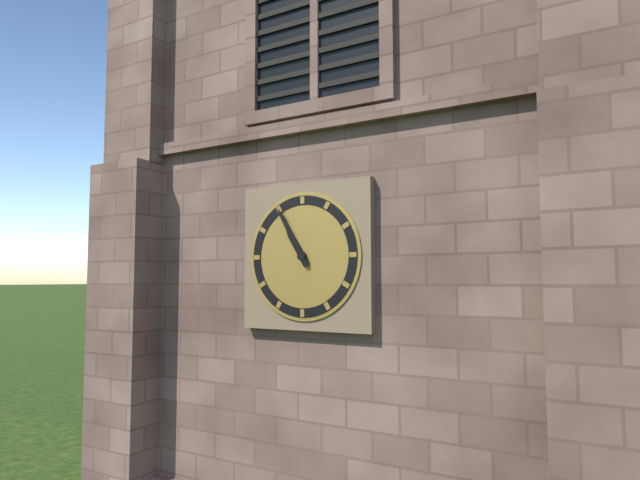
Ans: 10:55
